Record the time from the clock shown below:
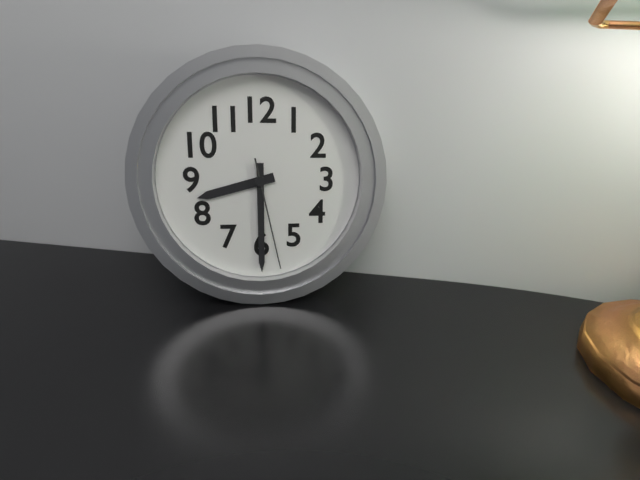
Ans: 8:30:28
